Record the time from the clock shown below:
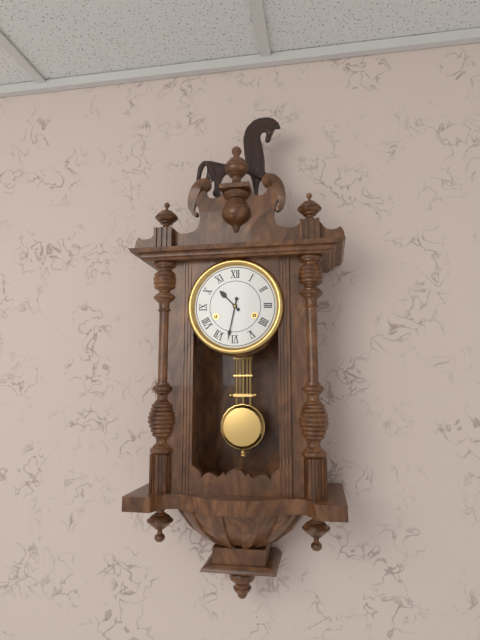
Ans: 10:32
